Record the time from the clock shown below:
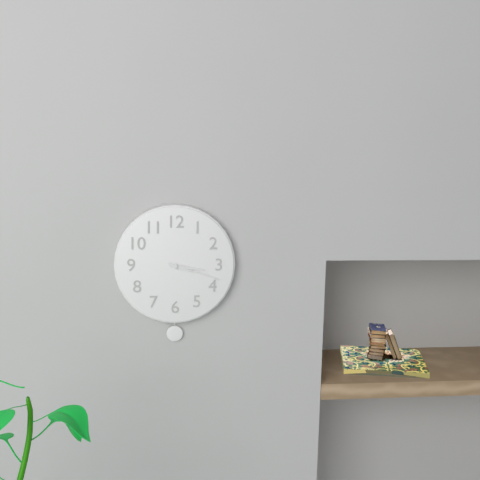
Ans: 3:18
